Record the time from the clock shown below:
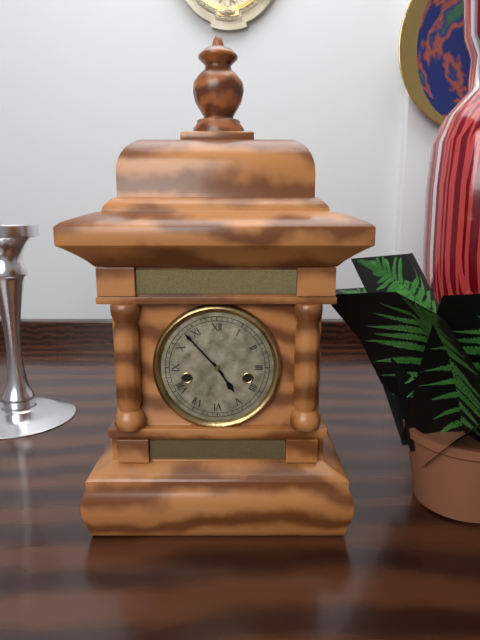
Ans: 4:53
